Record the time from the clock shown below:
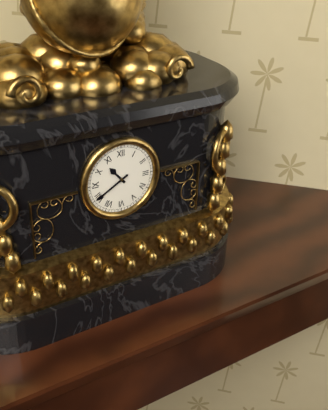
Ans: 10:40
